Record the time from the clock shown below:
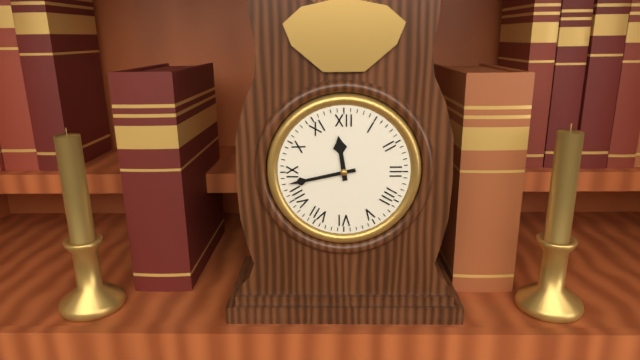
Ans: 11:43
